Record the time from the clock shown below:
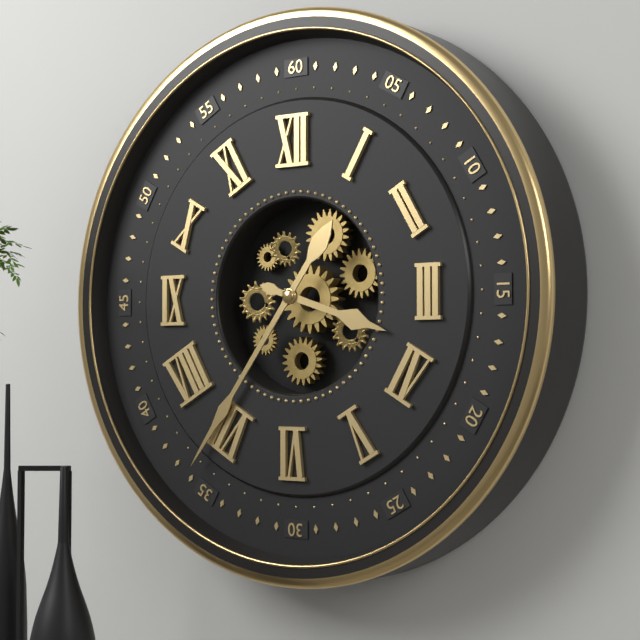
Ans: 3:36
